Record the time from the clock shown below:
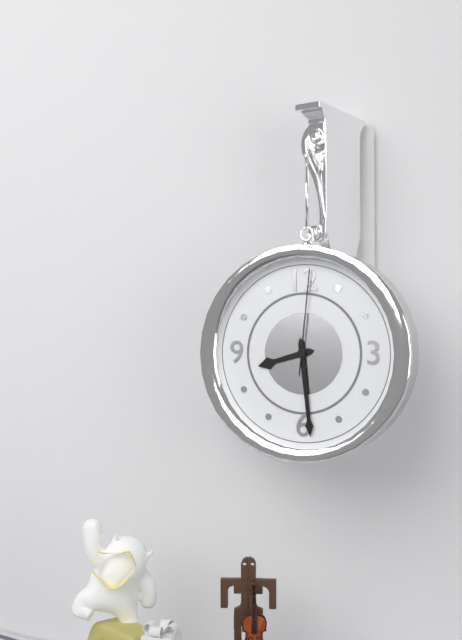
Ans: 8:29:01
